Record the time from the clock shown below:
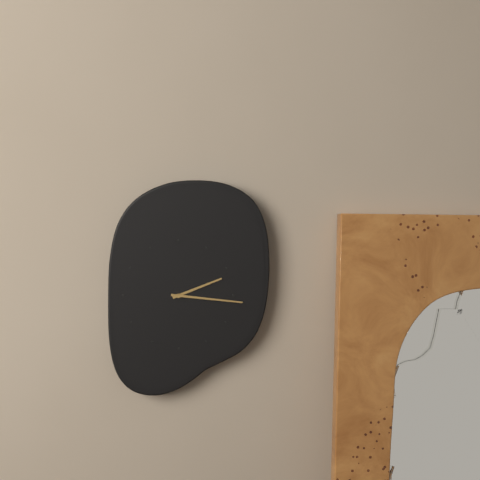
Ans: 2:16
